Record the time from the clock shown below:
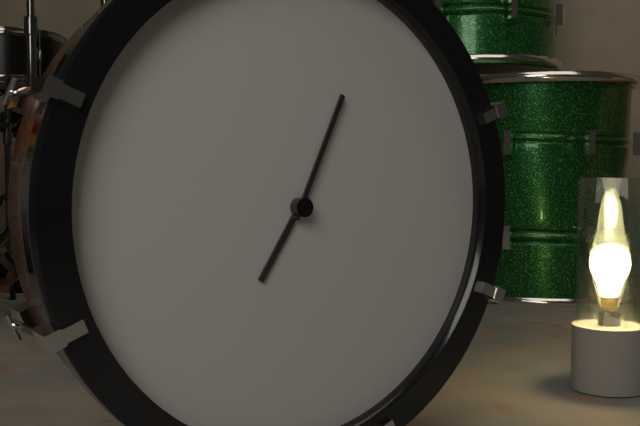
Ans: 7:04
